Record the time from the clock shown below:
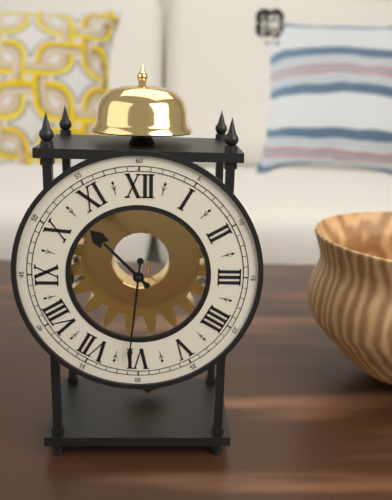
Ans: 10:31
